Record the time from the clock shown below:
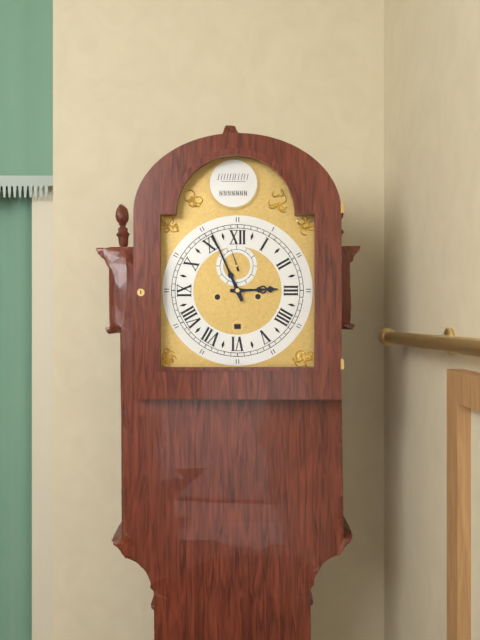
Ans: 2:56
